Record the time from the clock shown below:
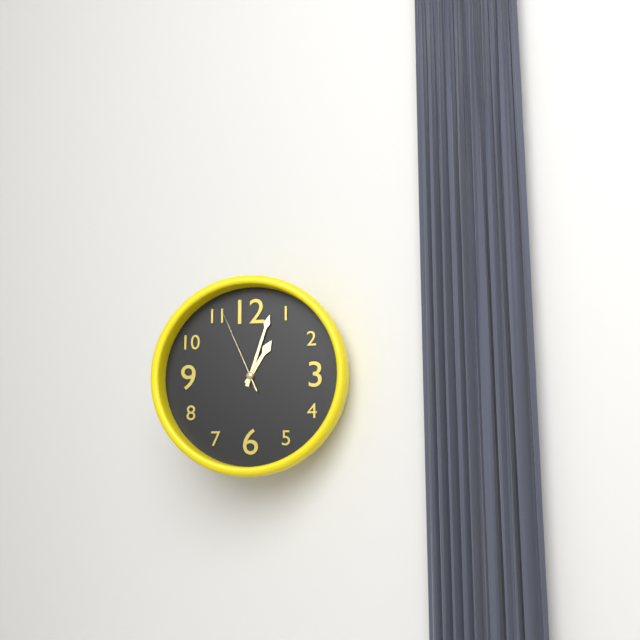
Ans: 1:03:56
